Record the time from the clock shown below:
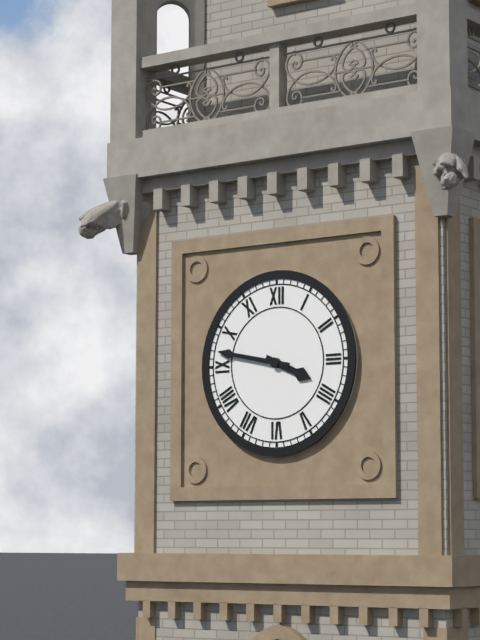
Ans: 3:47
